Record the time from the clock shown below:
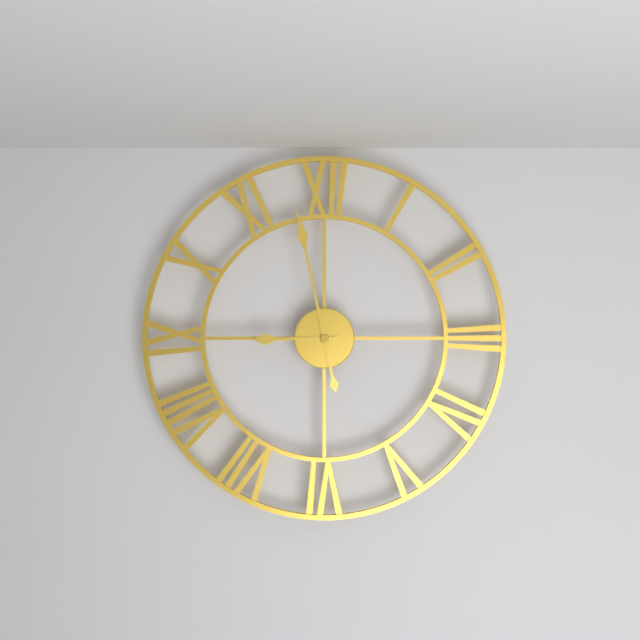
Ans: 8:58
